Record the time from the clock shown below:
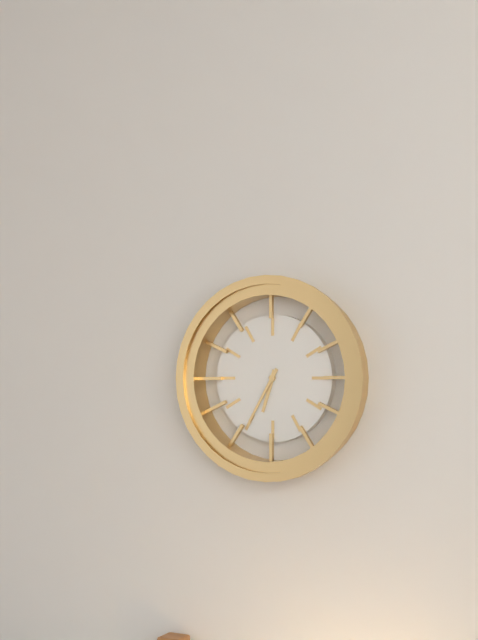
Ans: 6:35
